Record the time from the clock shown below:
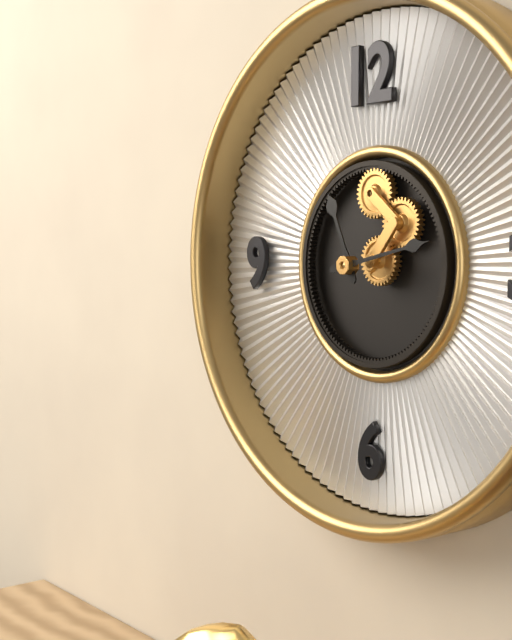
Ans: 11:13
